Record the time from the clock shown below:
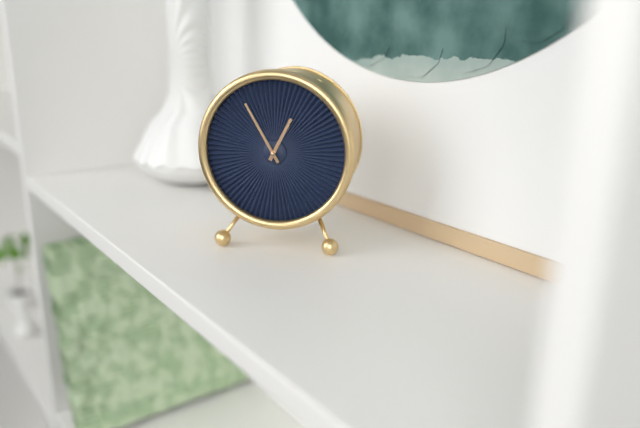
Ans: 12:55
